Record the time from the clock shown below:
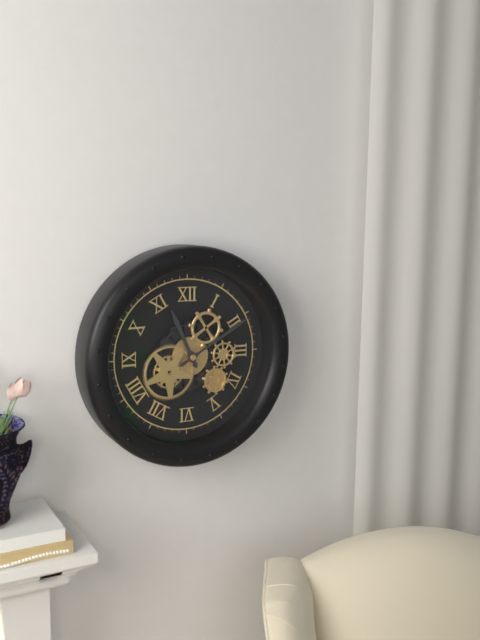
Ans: 11:10
